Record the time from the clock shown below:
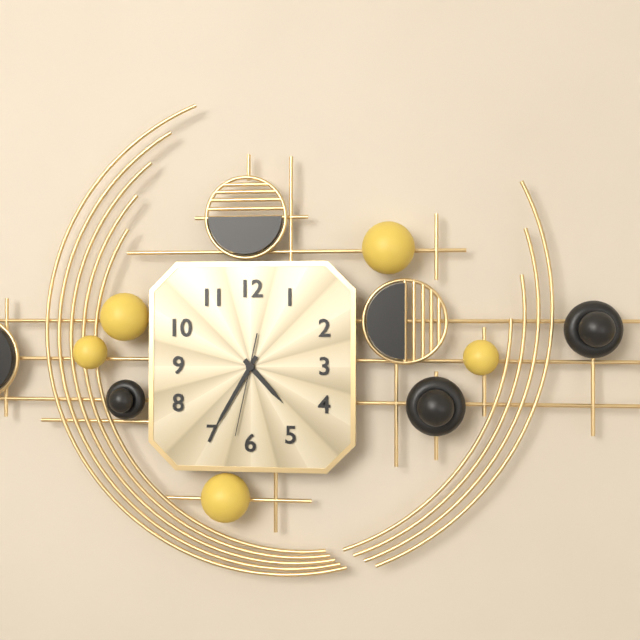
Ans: 4:35:32
